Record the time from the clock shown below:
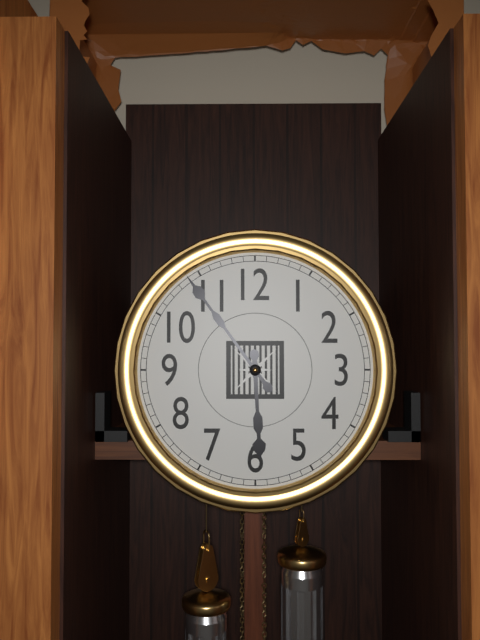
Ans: 5:54
